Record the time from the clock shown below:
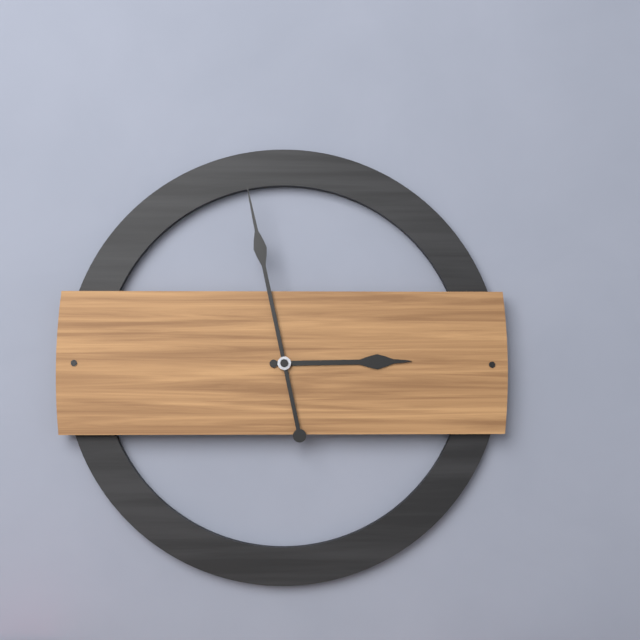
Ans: 2:58
